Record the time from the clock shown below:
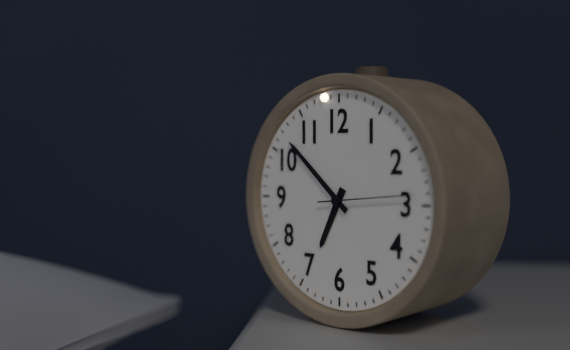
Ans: 6:52:14
